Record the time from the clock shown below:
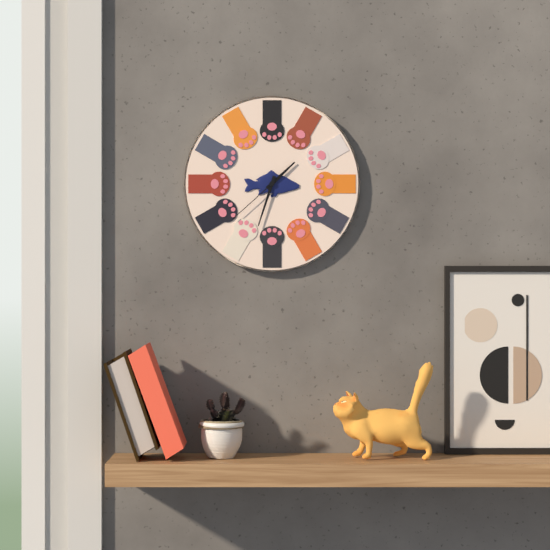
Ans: 1:33:38
